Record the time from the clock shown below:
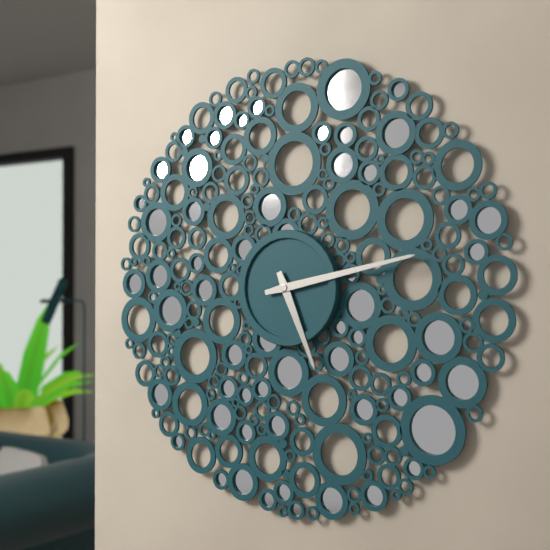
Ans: 5:13
